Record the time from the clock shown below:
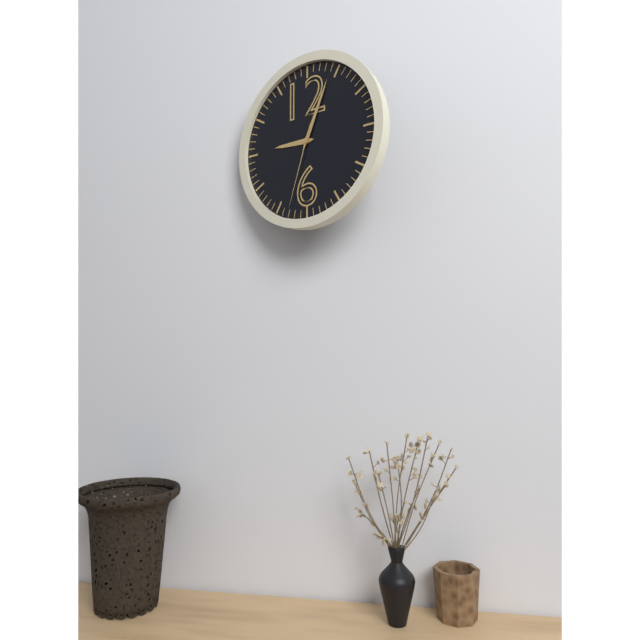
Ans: 9:04:33
